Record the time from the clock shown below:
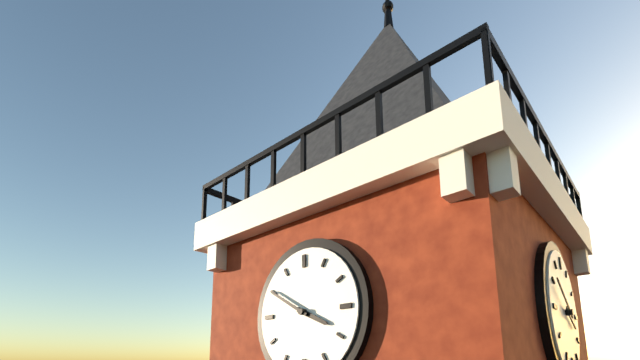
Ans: 3:50
